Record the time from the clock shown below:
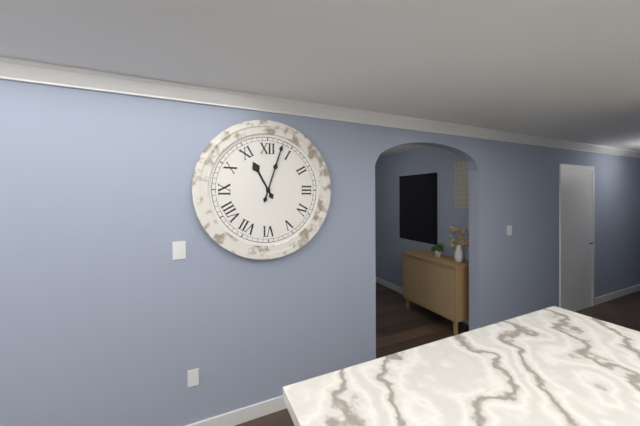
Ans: 11:03
